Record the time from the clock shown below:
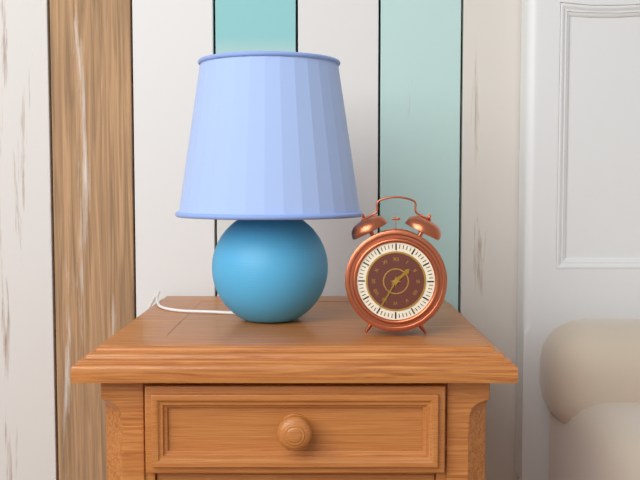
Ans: 1:35
